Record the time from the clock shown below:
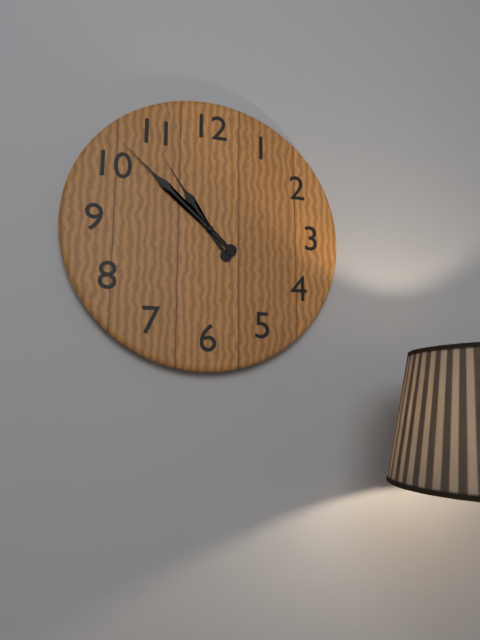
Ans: 10:52
